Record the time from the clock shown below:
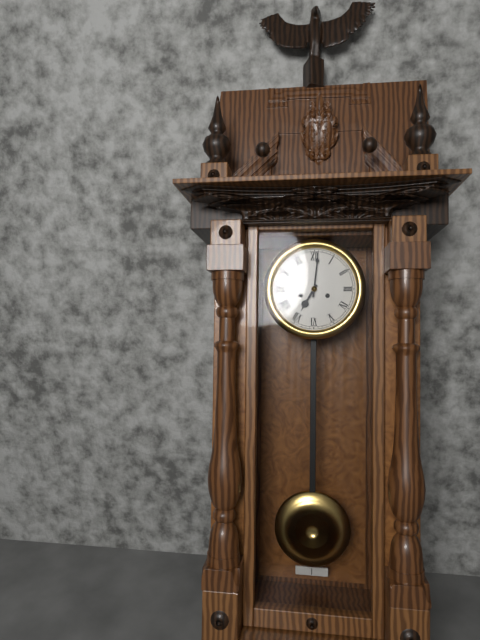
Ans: 7:01
